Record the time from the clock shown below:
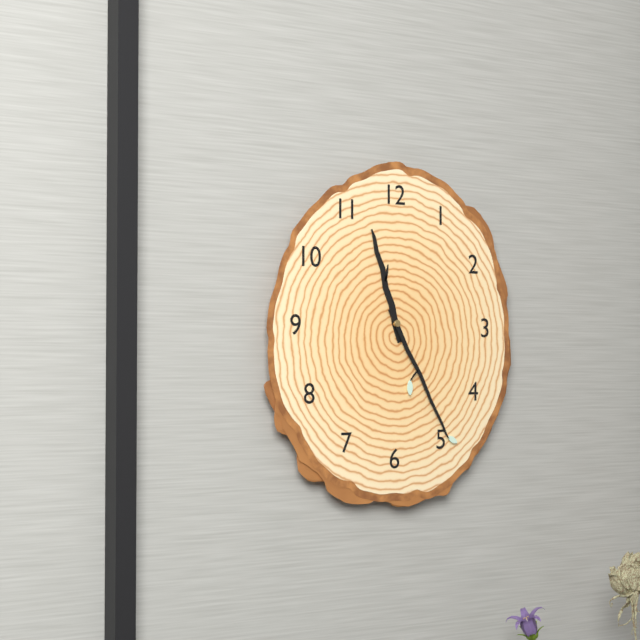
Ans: 11:25
